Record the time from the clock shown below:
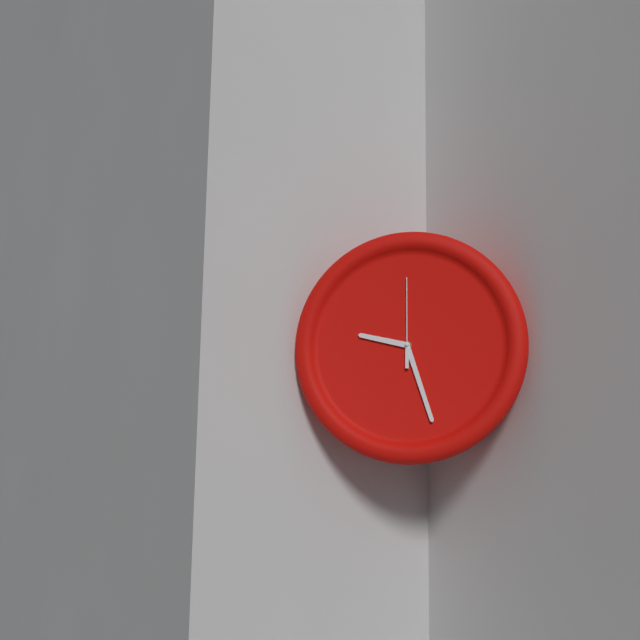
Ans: 9:27:00
